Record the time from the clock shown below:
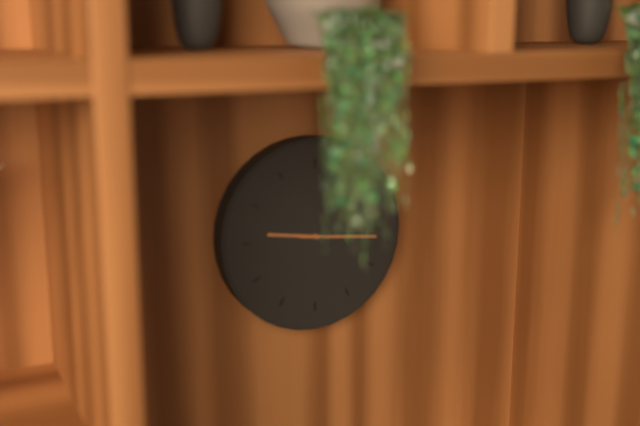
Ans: 9:16
